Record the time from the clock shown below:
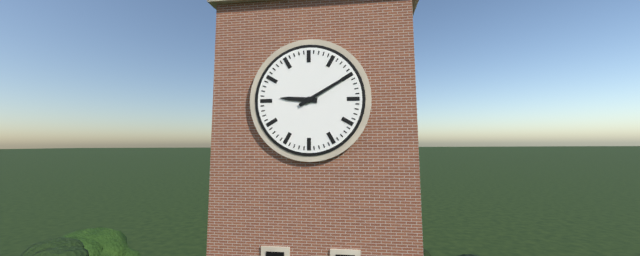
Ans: 9:10
